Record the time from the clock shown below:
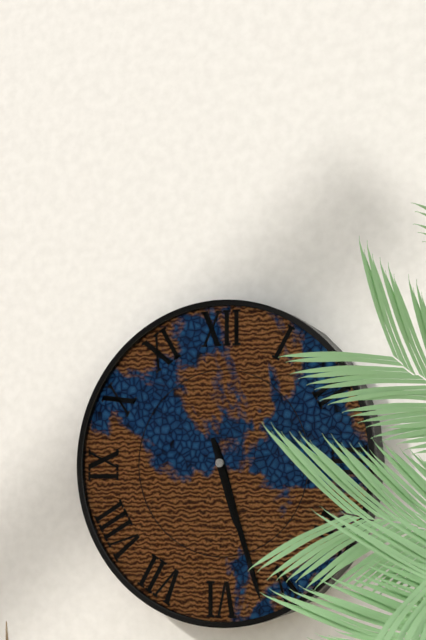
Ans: 5:27
